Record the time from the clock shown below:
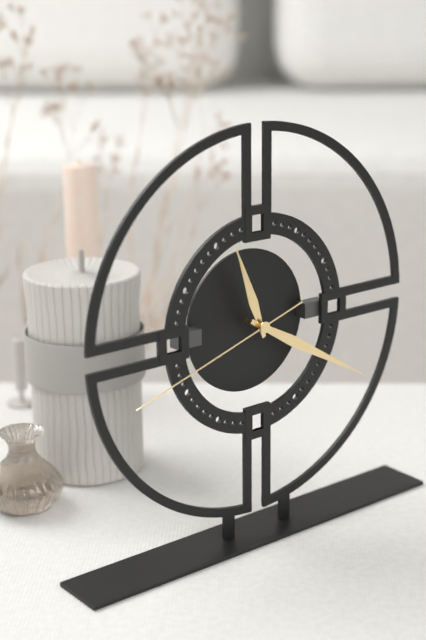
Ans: 11:20:42
